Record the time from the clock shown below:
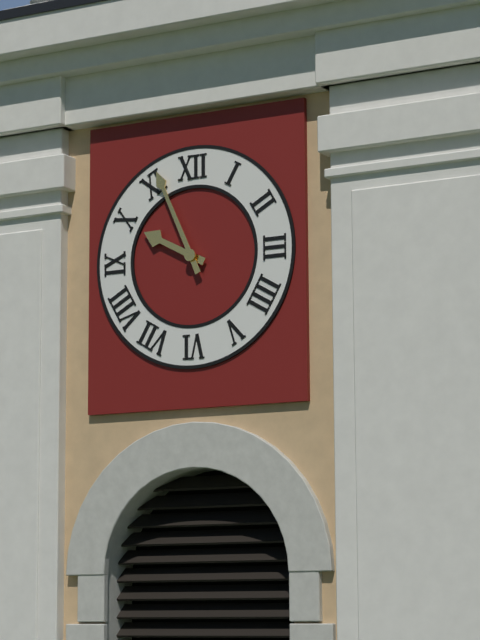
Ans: 9:56
